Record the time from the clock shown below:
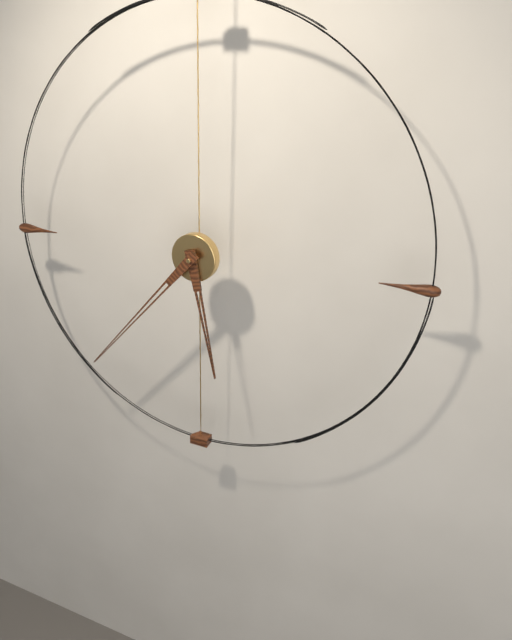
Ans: 5:37
